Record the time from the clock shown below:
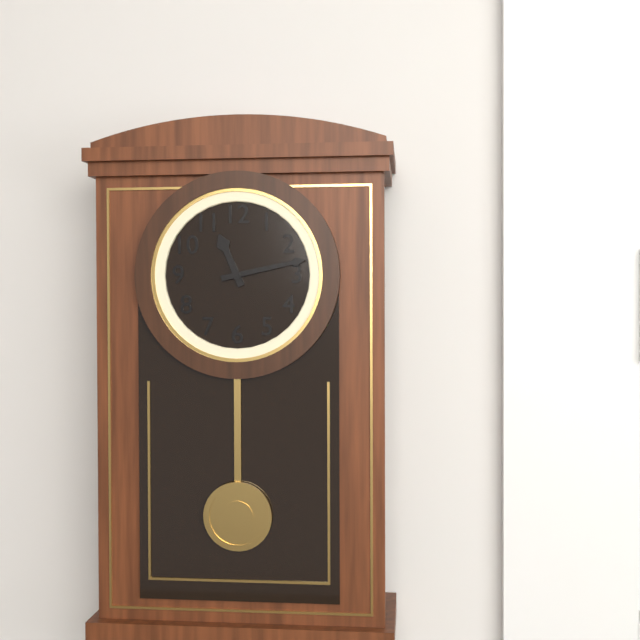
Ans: 11:13
